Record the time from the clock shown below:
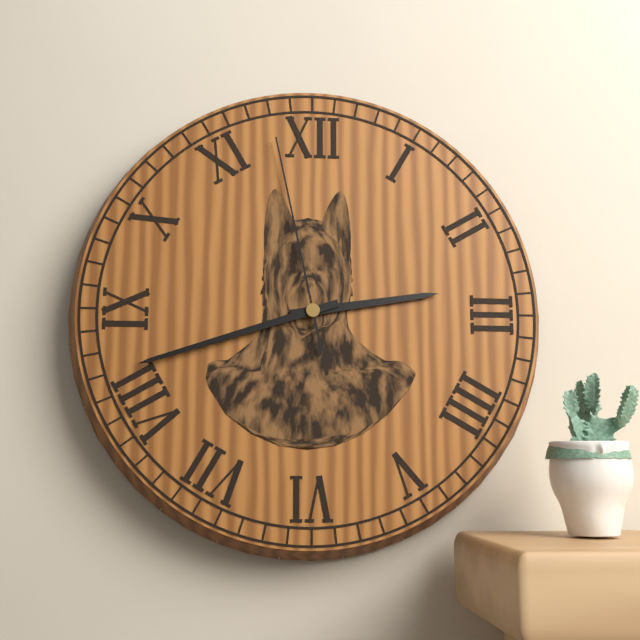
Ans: 2:42:58
